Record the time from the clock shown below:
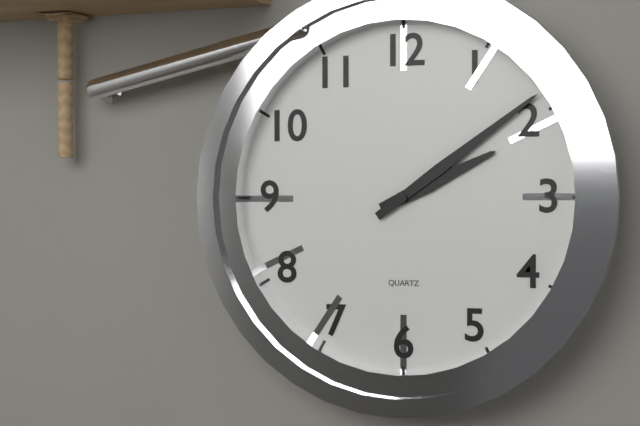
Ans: 2:09
